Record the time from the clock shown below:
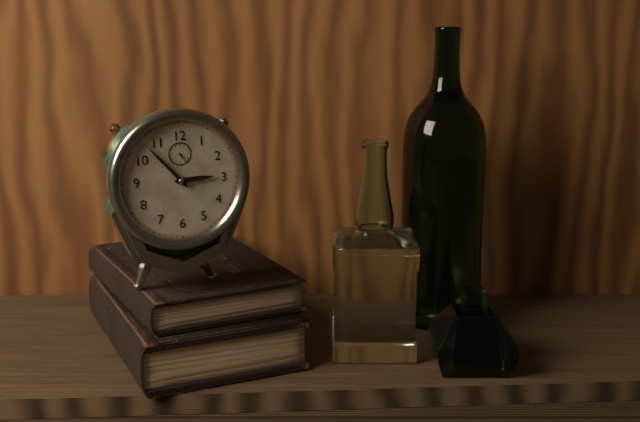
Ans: 2:53
